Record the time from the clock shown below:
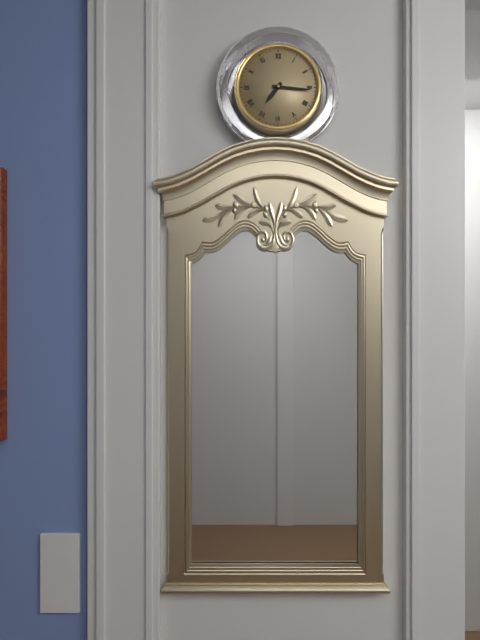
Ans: 7:16
